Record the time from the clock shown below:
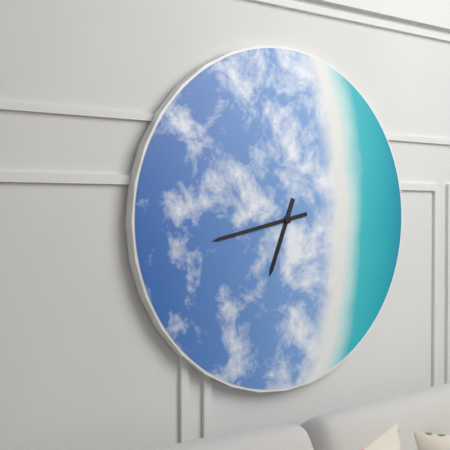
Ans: 6:43
